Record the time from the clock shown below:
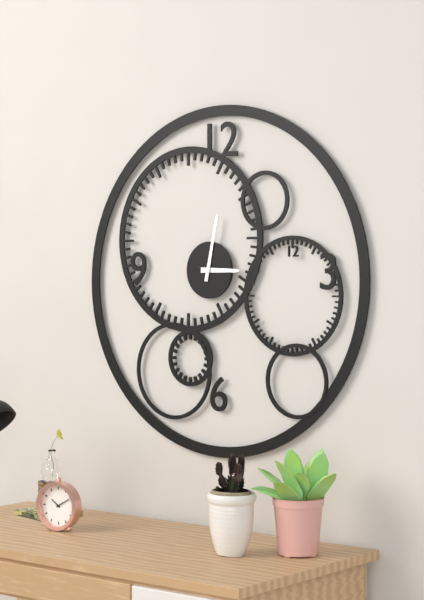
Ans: 3:02
